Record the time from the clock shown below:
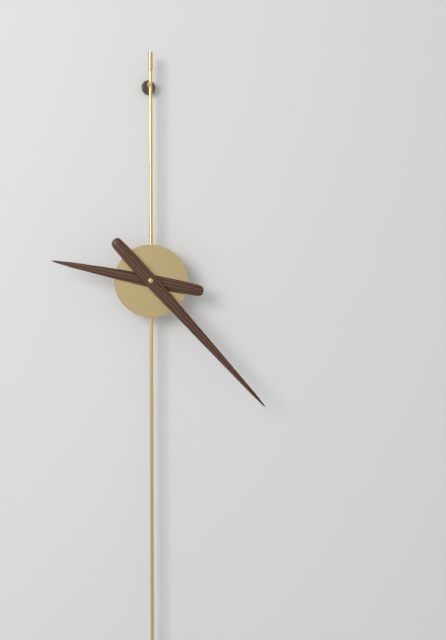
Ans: 9:23
